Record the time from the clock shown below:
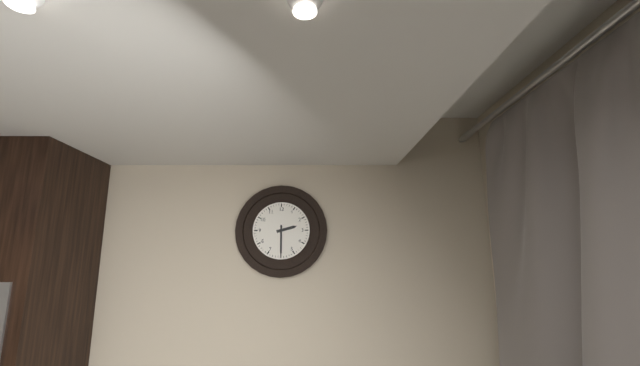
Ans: 2:30
